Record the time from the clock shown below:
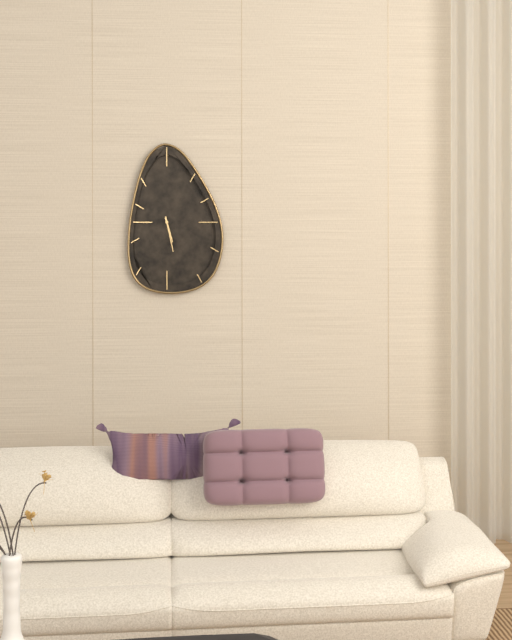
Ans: 5:28
